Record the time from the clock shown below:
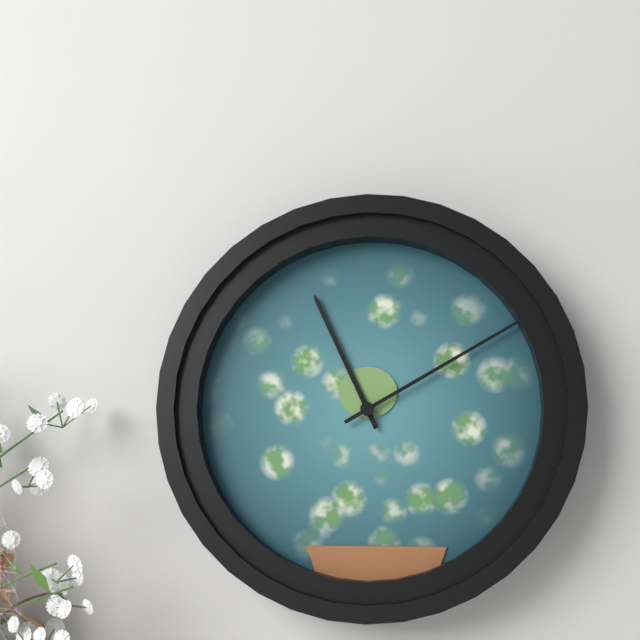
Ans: 11:10
